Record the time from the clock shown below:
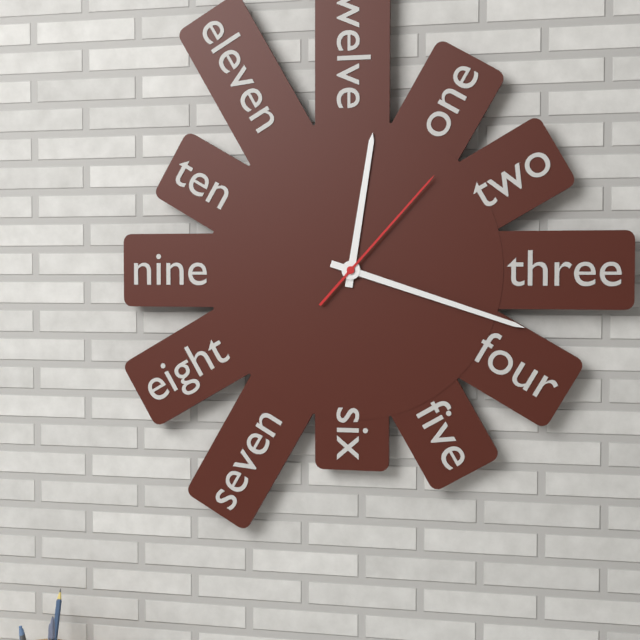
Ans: 12:18:07
